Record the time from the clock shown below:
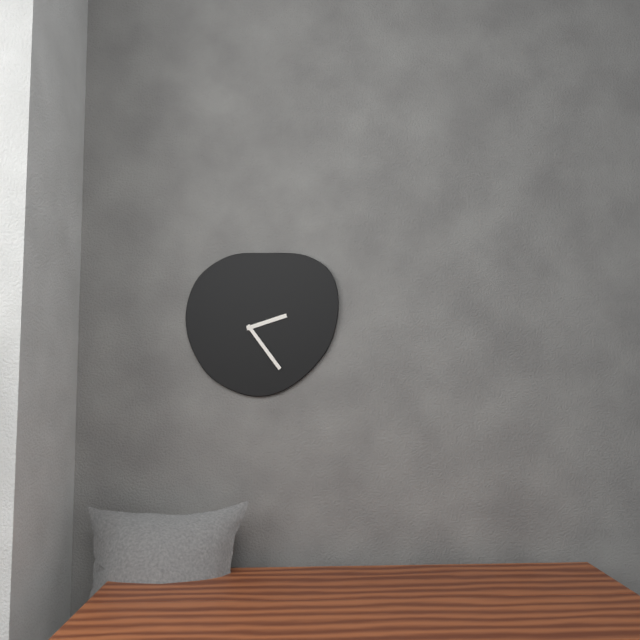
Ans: 2:24
